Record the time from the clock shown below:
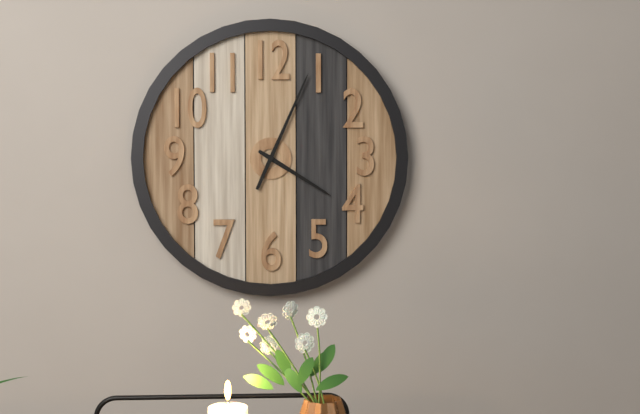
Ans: 4:04
